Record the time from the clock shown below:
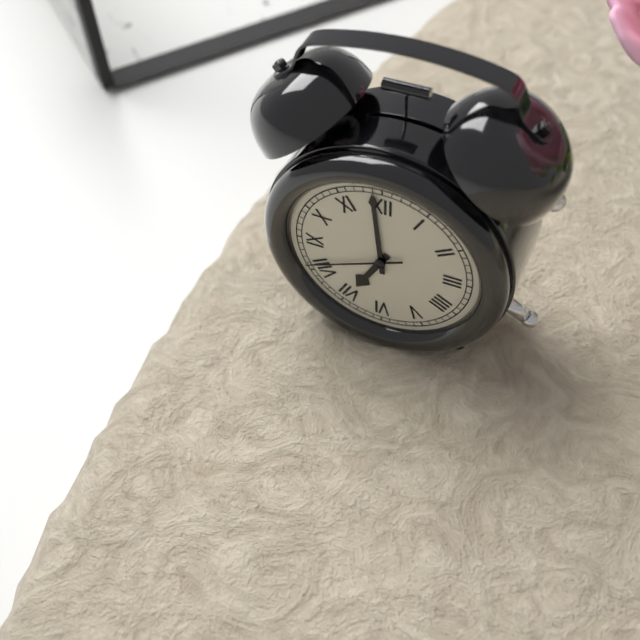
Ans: 6:59:41
